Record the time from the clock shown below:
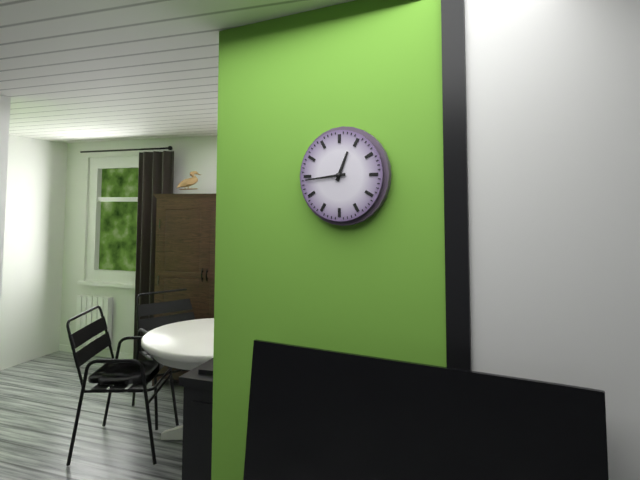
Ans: 12:44
